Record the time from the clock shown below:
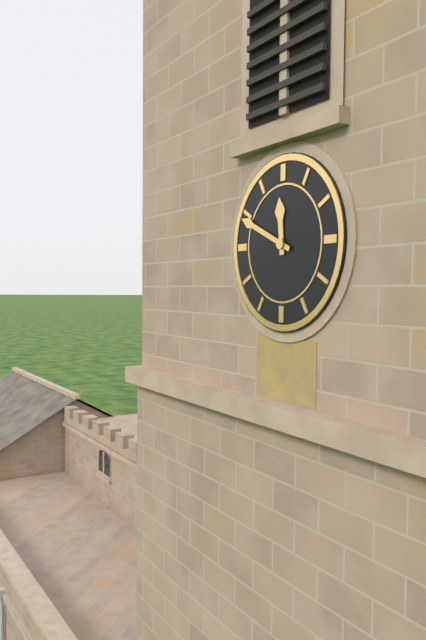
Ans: 11:49
